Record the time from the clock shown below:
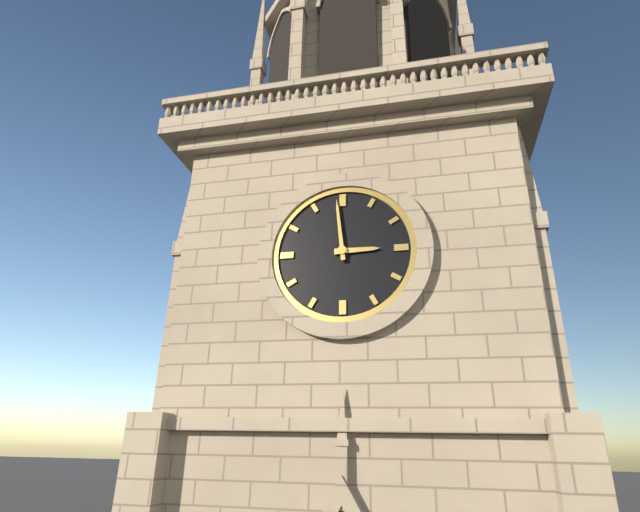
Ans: 2:59
